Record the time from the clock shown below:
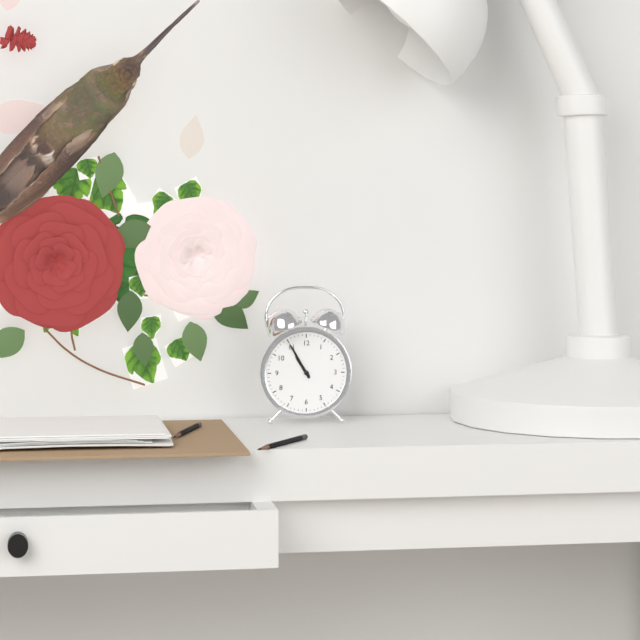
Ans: 10:55
